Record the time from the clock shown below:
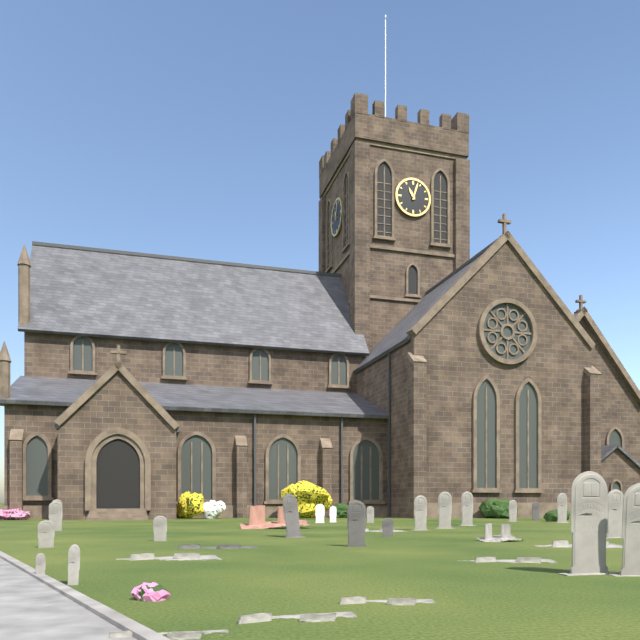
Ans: 11:03
